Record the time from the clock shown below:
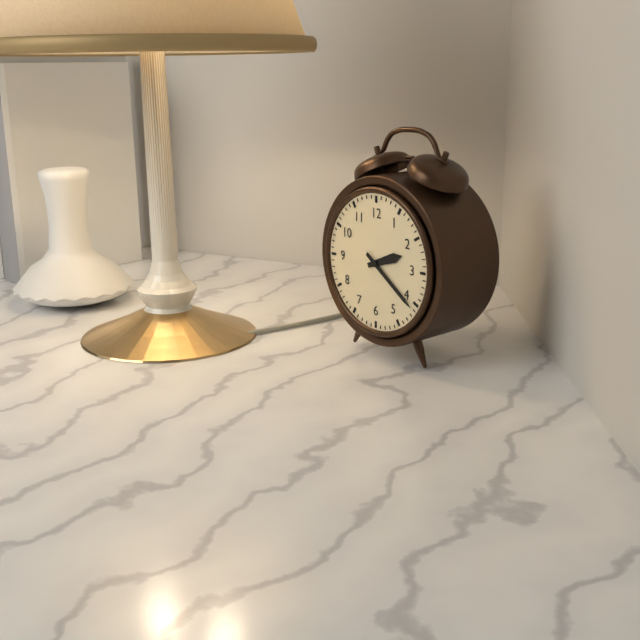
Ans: 2:21
